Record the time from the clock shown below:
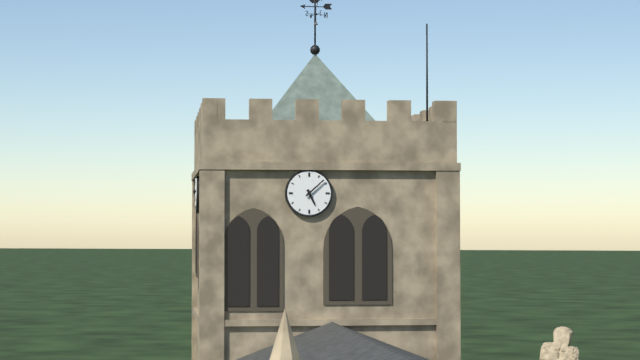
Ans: 5:08
